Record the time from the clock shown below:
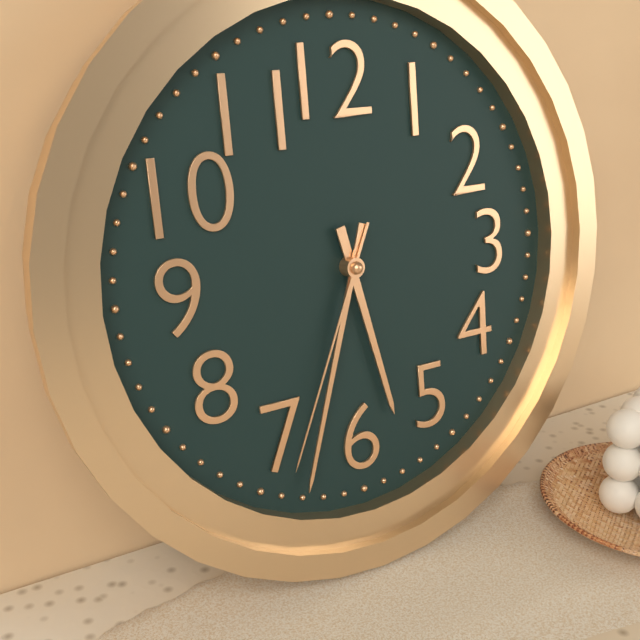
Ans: 5:33:34
